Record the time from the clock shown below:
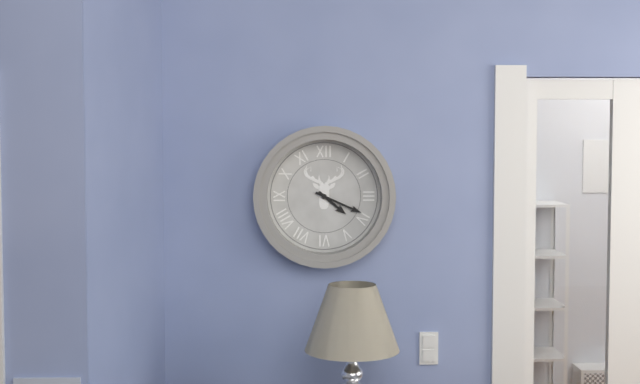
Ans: 4:19
